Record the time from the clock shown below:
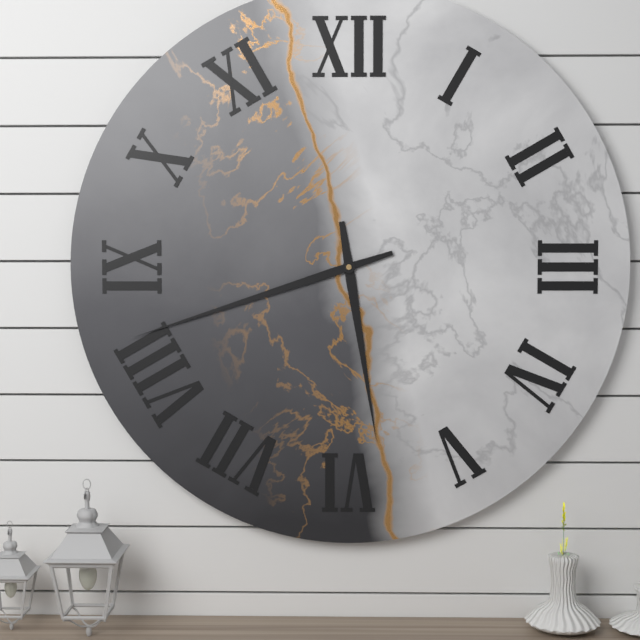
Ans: 5:42
